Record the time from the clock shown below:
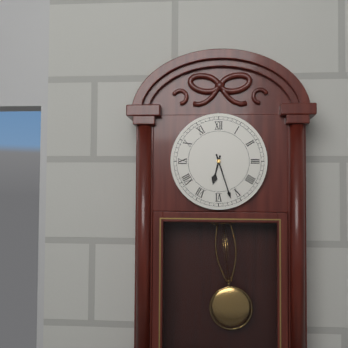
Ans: 6:27
